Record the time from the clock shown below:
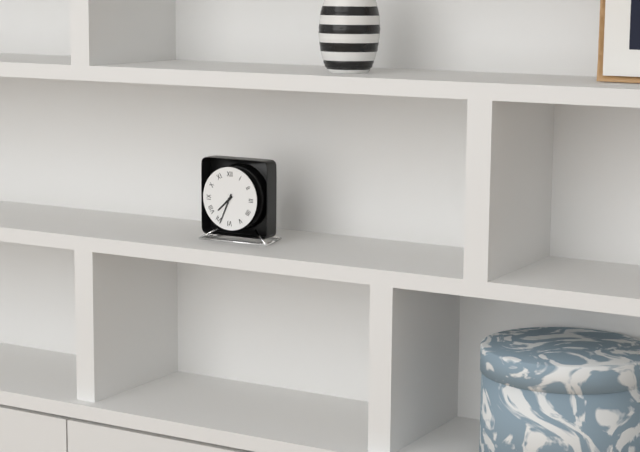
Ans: 7:34
